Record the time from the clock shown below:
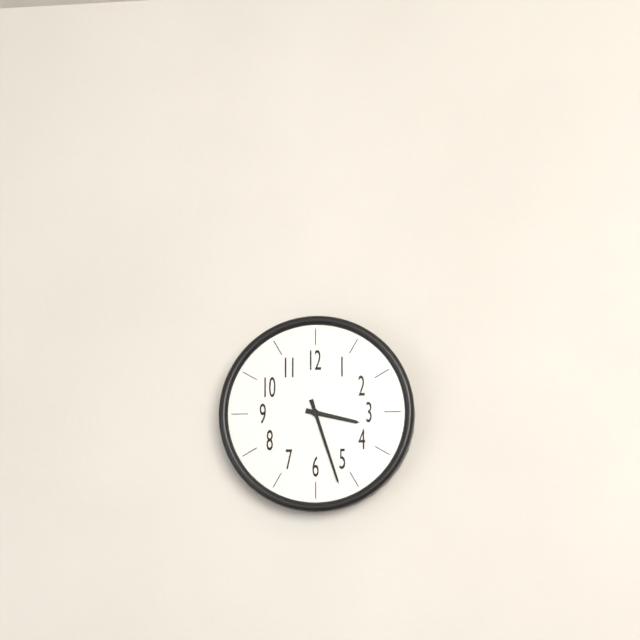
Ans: 3:27
